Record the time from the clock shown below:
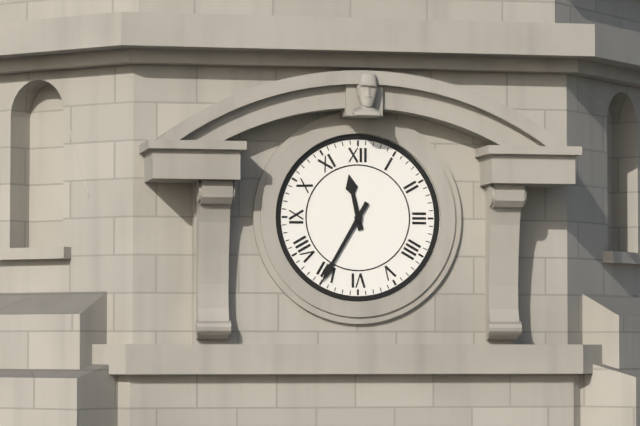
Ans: 11:35
